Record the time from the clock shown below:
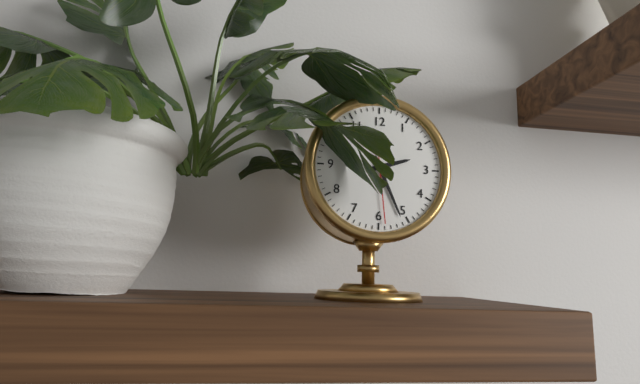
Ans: 2:26:29
